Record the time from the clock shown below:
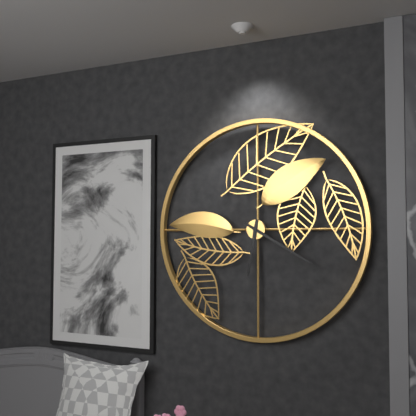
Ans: 6:20
